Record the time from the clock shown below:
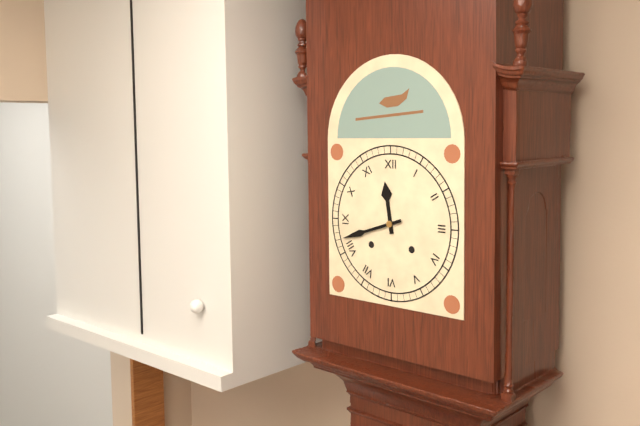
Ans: 11:42
